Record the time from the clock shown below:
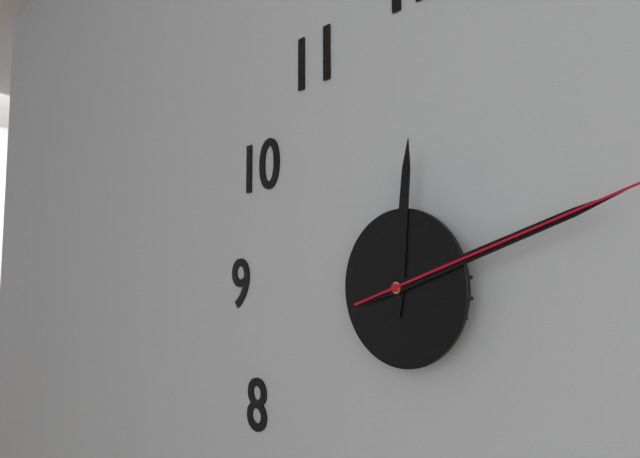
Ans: 12:12
